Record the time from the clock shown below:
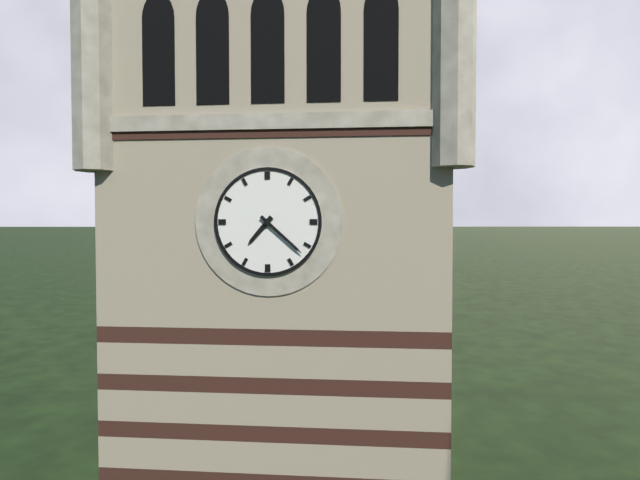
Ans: 7:22
